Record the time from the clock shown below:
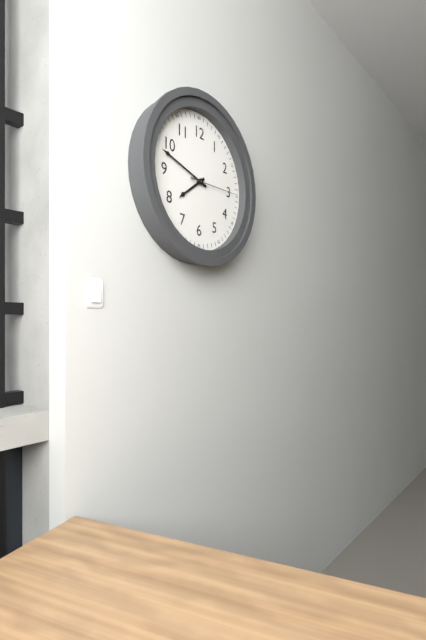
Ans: 7:48
